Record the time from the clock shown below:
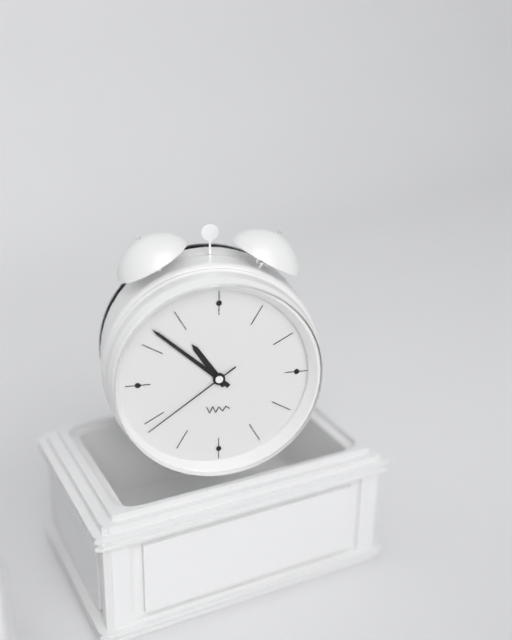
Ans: 10:52:39
